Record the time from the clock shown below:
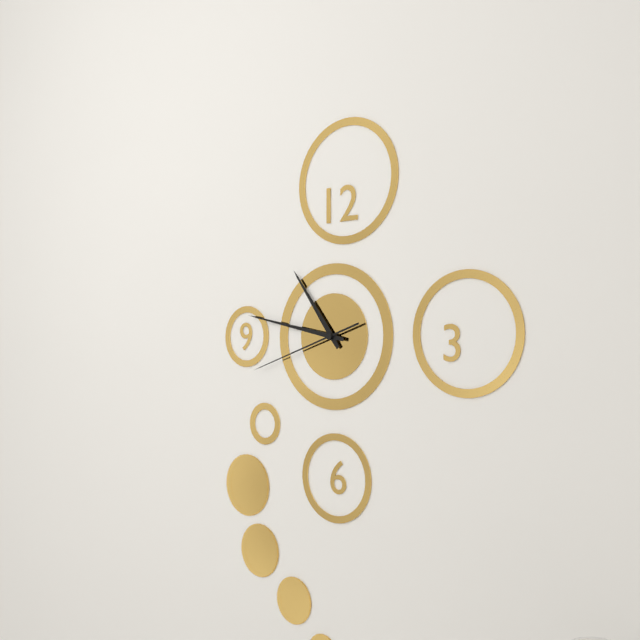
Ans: 10:47:42
